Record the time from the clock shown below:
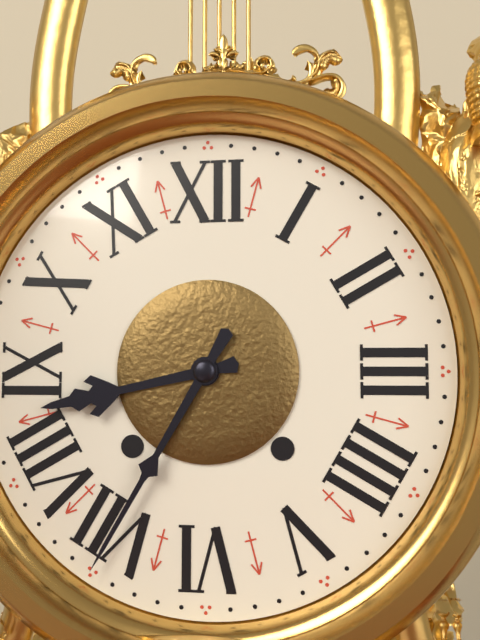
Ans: 8:35
